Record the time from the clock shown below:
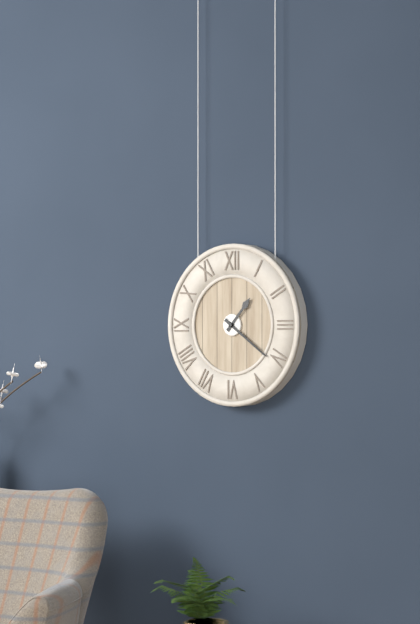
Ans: 1:21
